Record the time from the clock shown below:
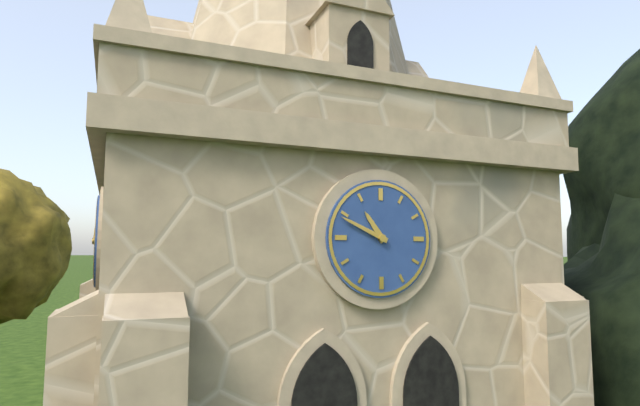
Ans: 10:49
